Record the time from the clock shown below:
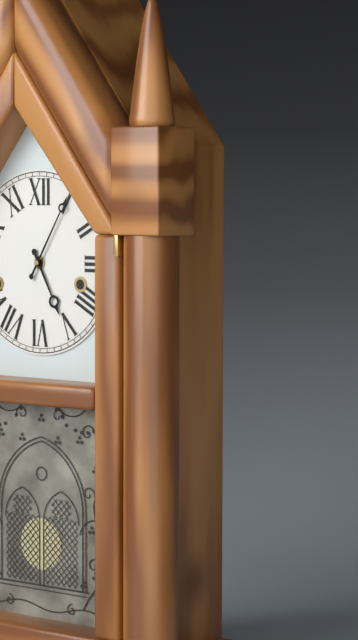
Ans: 5:05
